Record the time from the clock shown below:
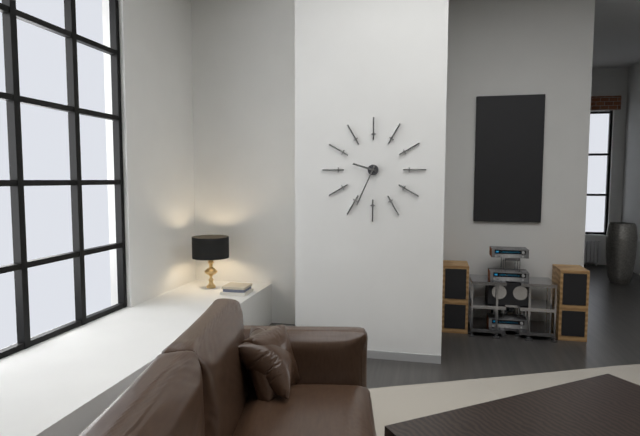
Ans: 9:34
